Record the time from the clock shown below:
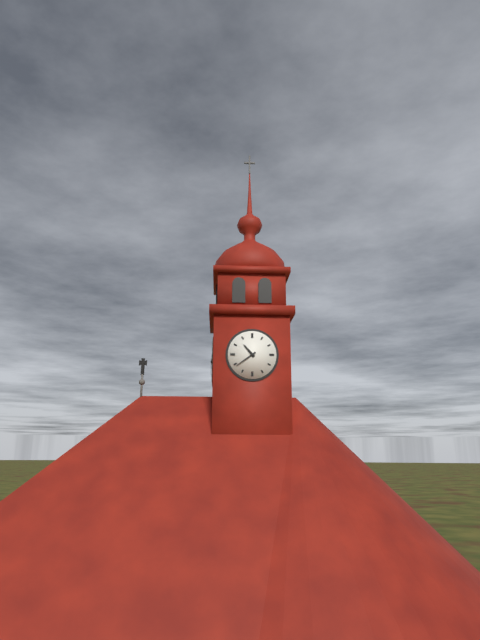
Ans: 10:39
